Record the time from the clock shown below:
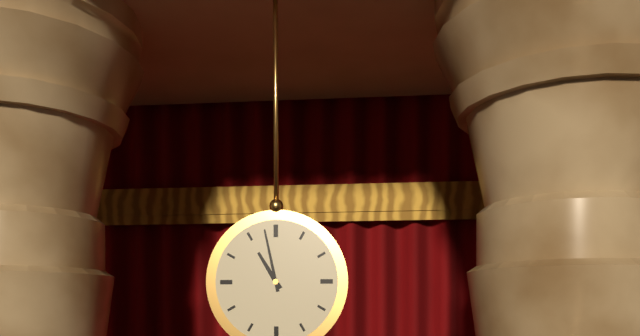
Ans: 10:58
